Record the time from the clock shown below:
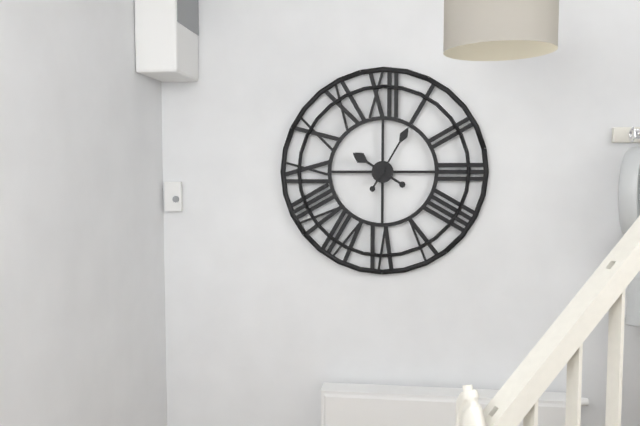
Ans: 10:05
